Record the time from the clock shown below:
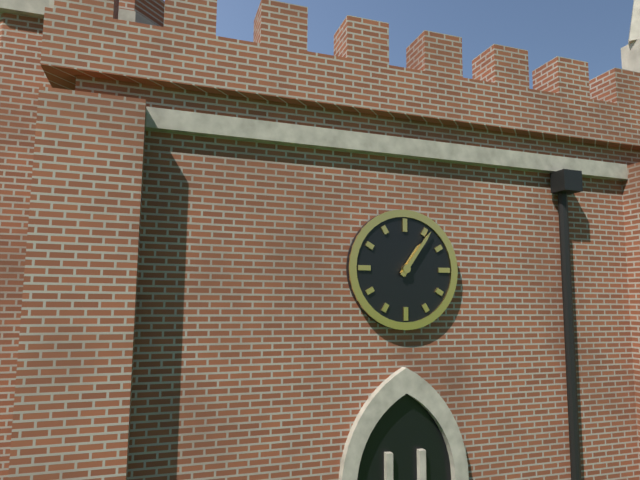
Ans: 1:06
